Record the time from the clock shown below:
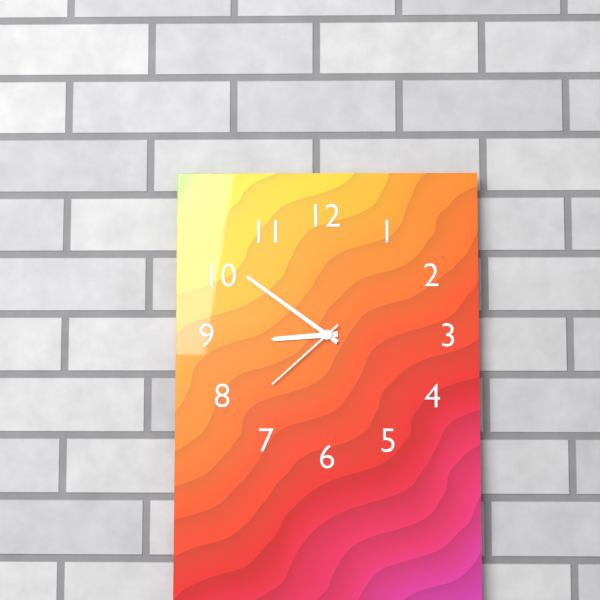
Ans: 8:51:38
